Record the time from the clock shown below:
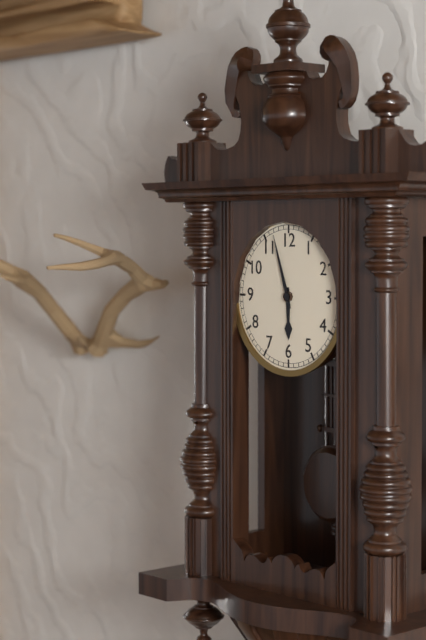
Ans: 5:57
